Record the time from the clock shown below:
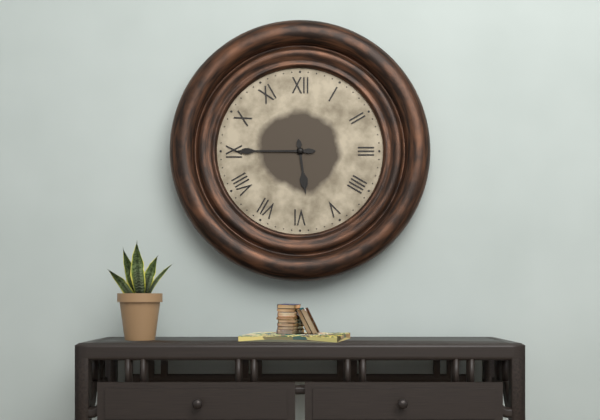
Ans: 5:45
